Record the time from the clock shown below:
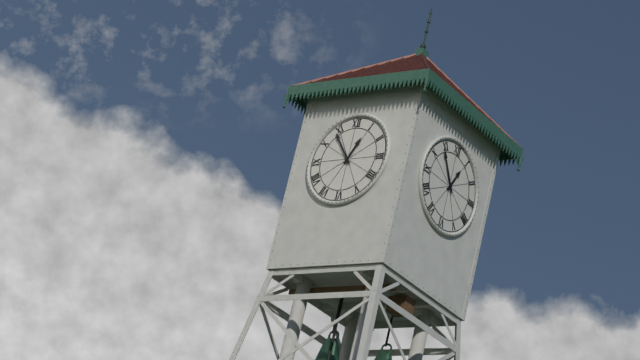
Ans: 12:54
